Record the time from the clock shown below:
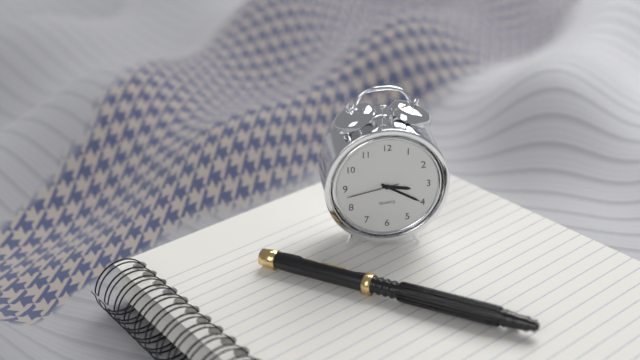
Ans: 3:20:43
